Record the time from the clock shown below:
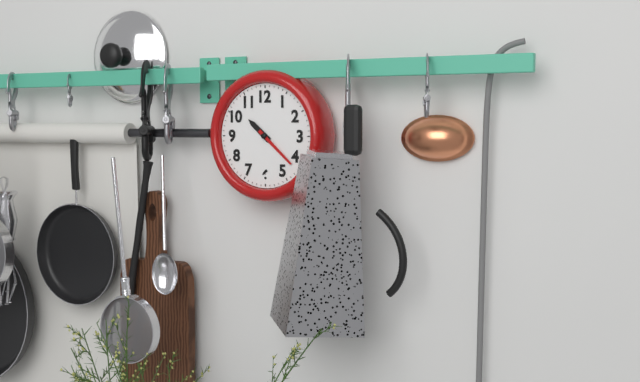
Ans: 10:22
